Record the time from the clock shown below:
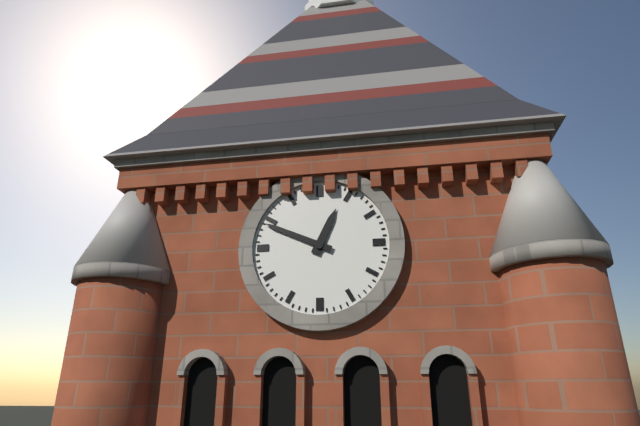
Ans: 12:49
